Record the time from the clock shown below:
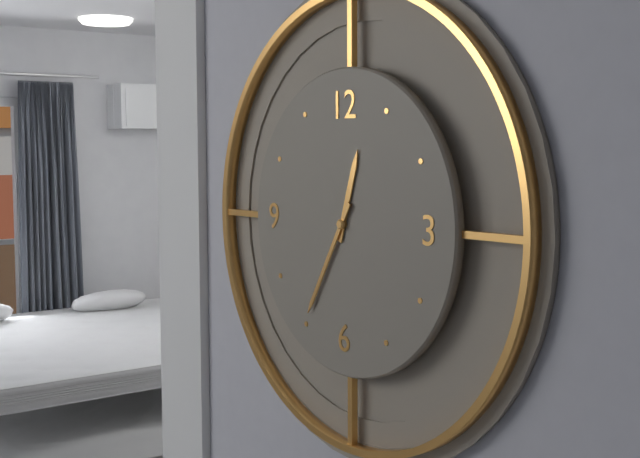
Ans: 12:35
